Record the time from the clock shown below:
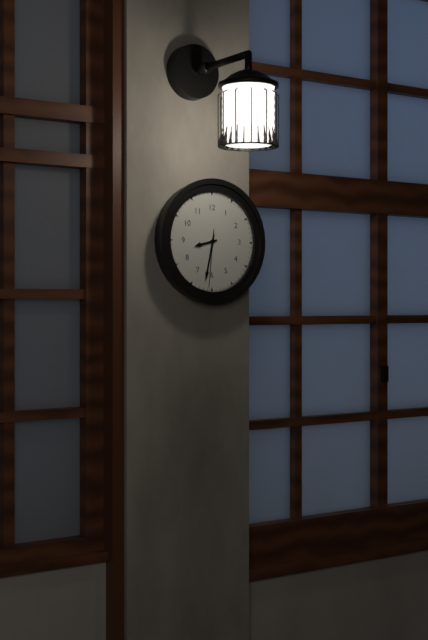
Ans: 8:32:31
